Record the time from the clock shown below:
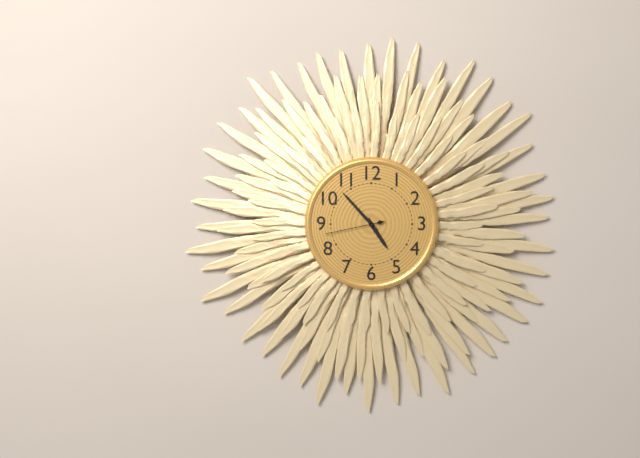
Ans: 4:53:43
